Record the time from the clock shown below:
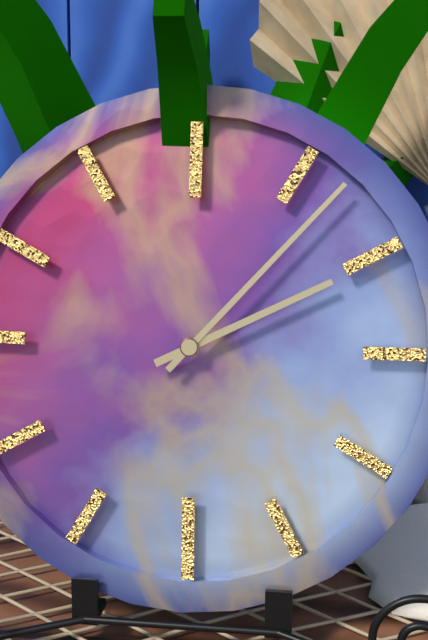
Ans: 2:07
